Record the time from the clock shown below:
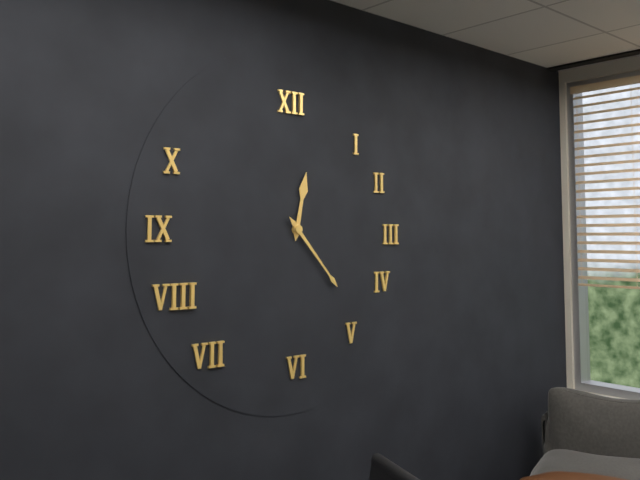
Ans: 12:23
